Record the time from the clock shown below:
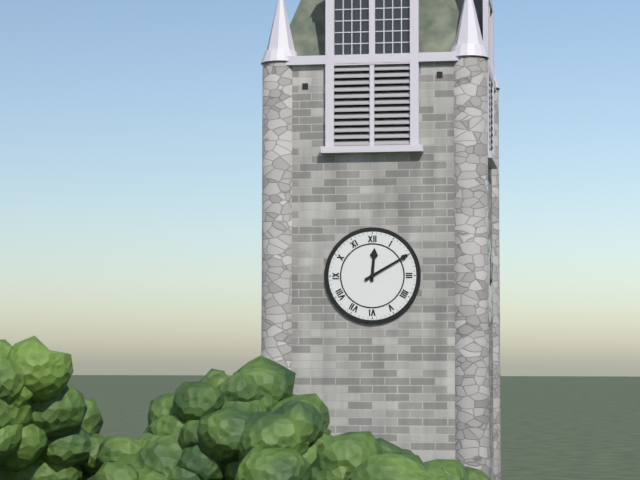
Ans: 12:10
